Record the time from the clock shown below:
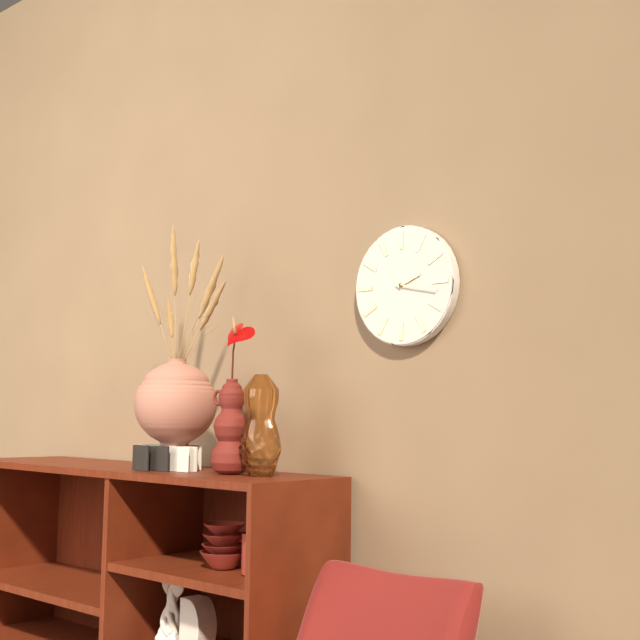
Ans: 2:17
